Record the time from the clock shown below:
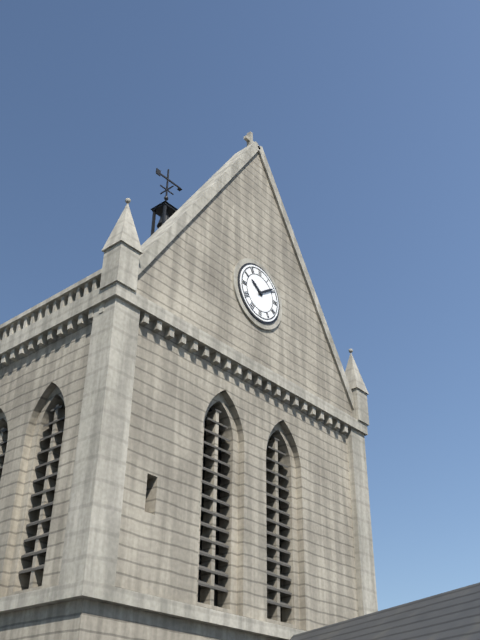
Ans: 10:09
